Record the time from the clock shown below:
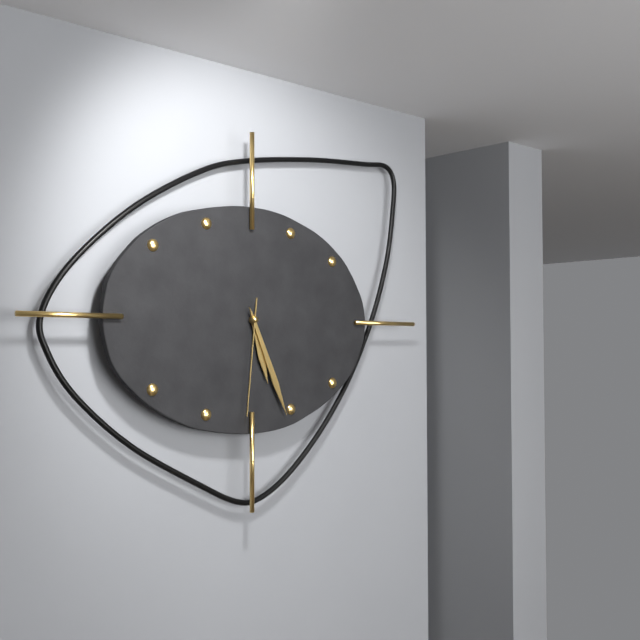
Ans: 5:26:31
